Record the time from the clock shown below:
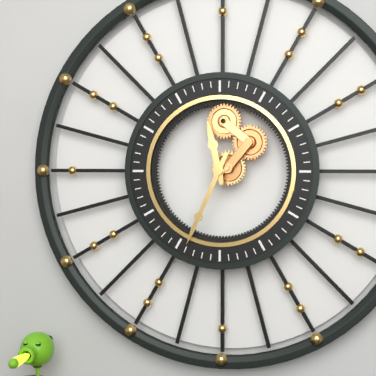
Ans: 11:34
